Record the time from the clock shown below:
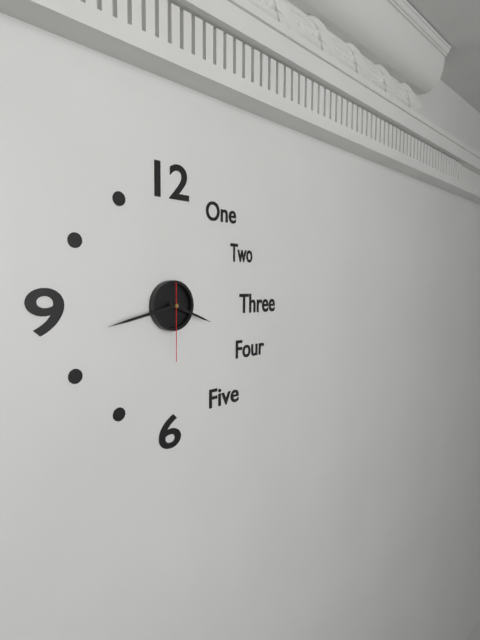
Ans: 3:43:30
